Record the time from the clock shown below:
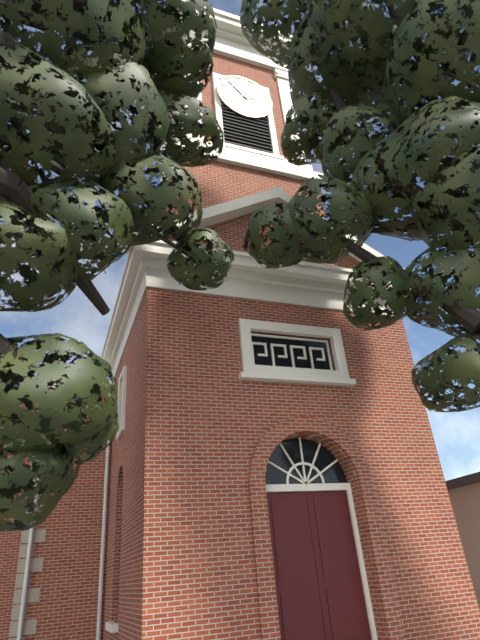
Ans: 2:53
